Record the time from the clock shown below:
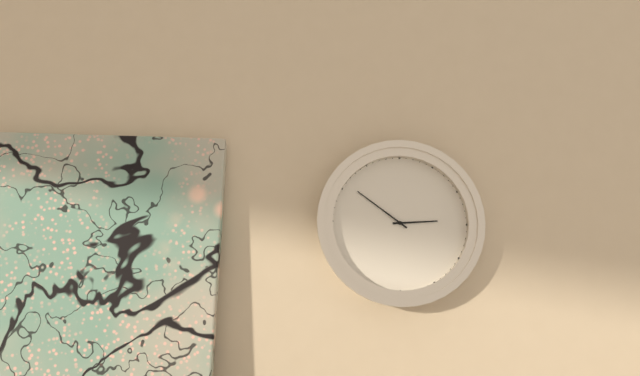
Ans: 2:51
